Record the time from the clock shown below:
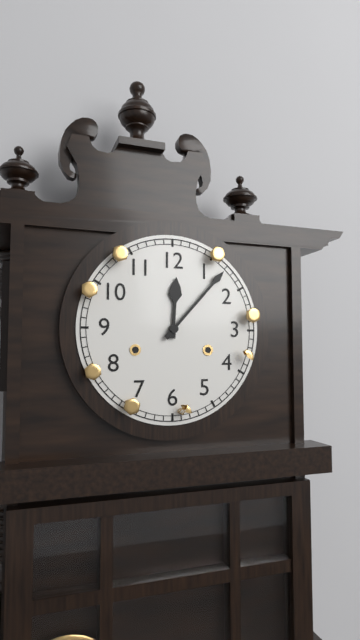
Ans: 12:07
